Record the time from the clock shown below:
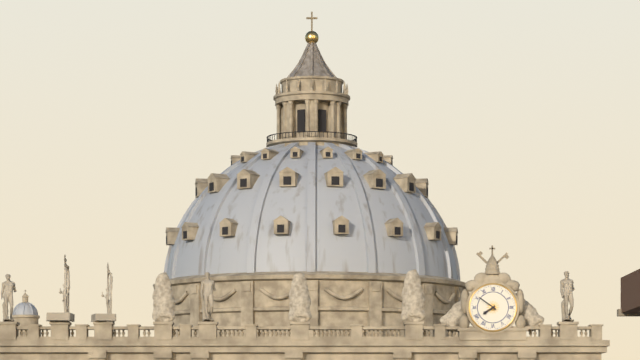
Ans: 7:51
